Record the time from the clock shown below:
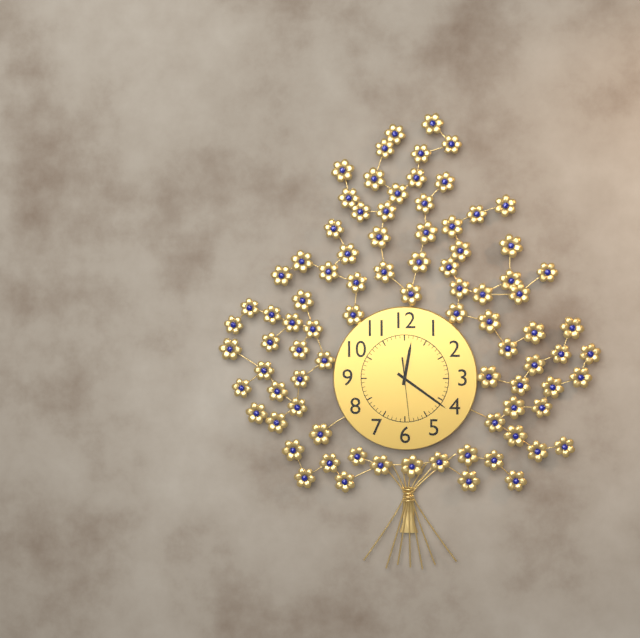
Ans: 12:21:29
